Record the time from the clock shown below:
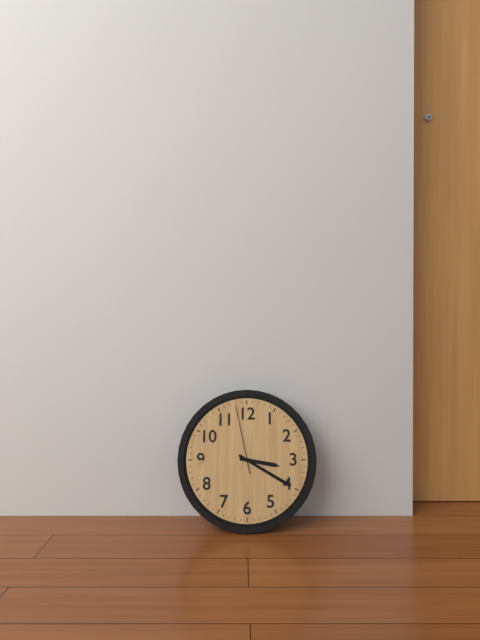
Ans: 3:20:58
